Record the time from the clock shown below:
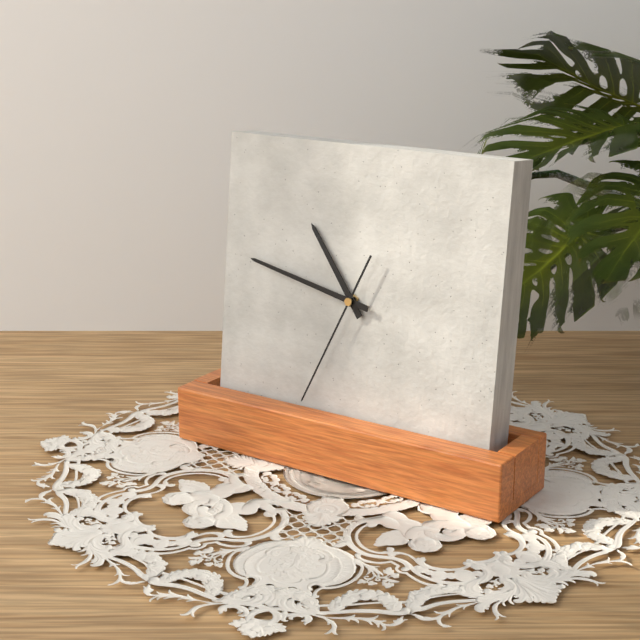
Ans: 10:47:34
